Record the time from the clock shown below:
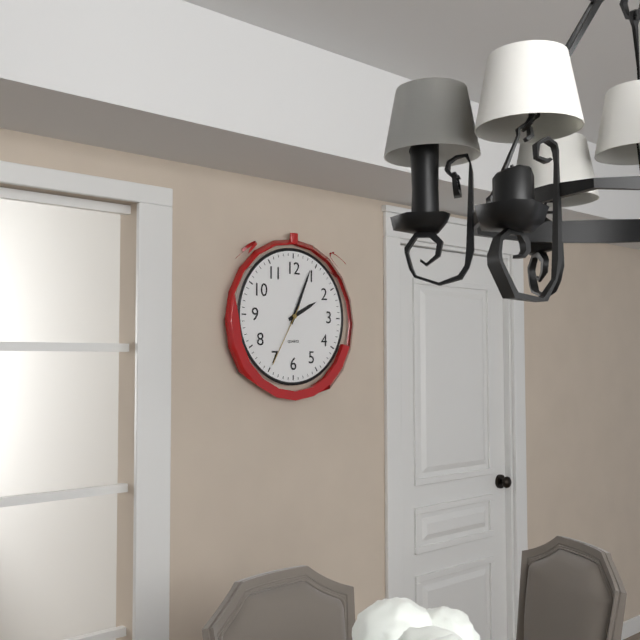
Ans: 2:04:35
